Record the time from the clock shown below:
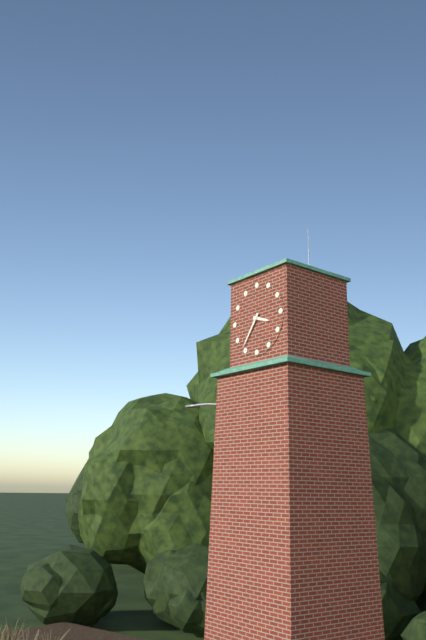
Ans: 3:36
